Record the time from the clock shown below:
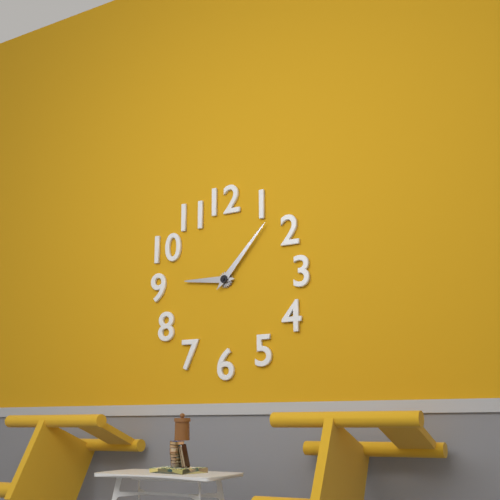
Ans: 9:07
